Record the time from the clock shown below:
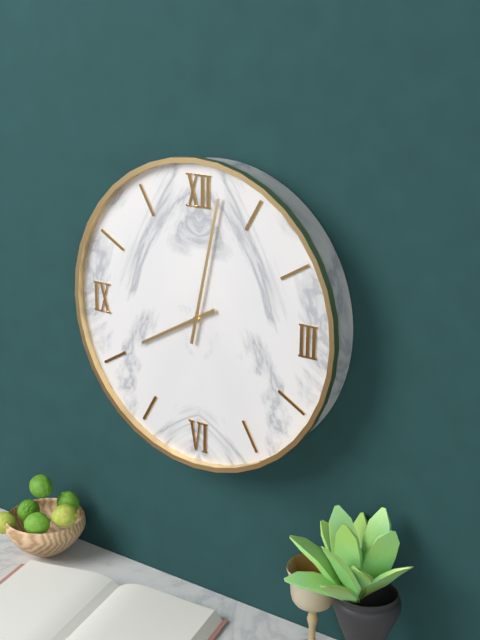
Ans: 8:02
